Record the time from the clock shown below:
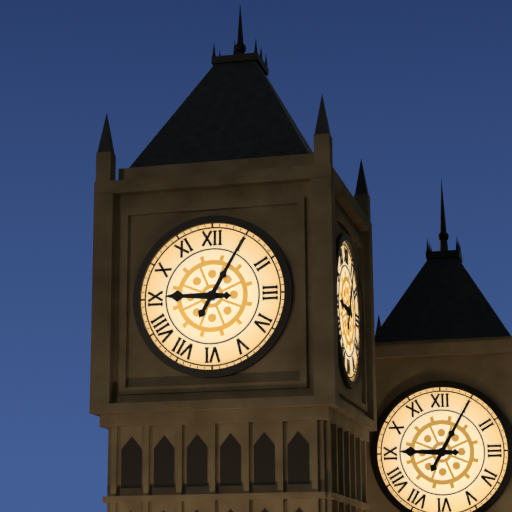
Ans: 9:05
